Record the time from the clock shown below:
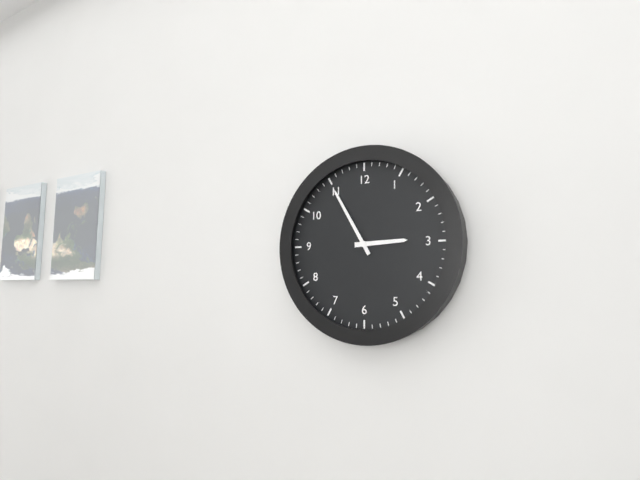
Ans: 2:55
